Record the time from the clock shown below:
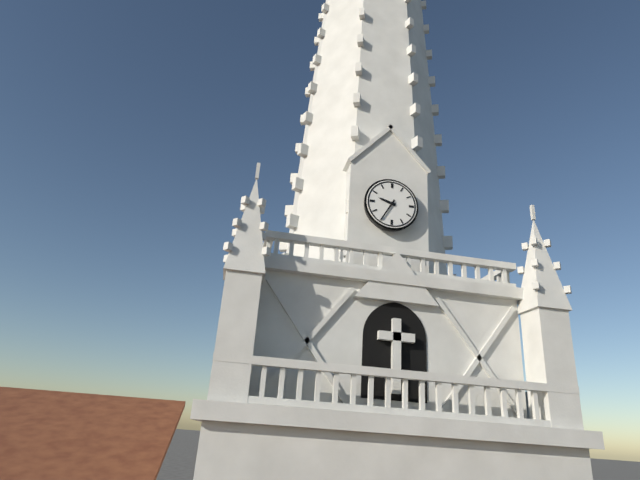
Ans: 9:35
